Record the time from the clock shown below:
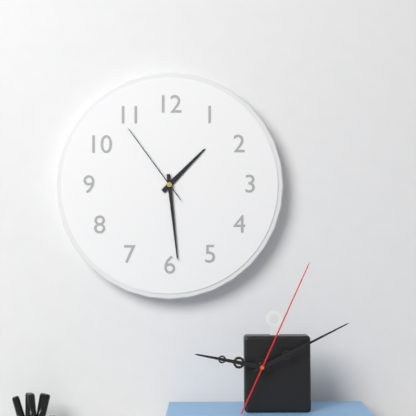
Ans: 1:29:54
